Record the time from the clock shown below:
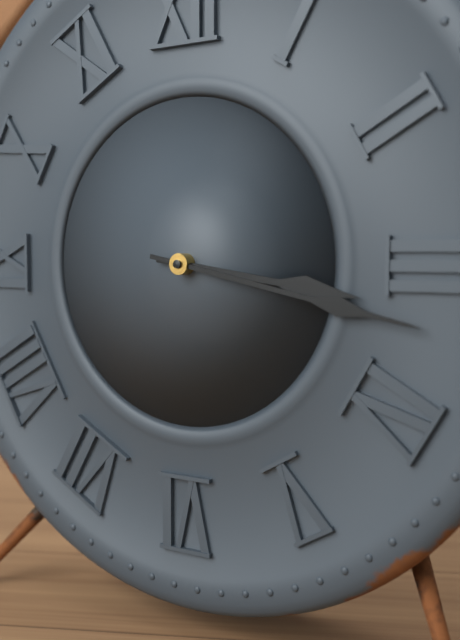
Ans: 3:17
